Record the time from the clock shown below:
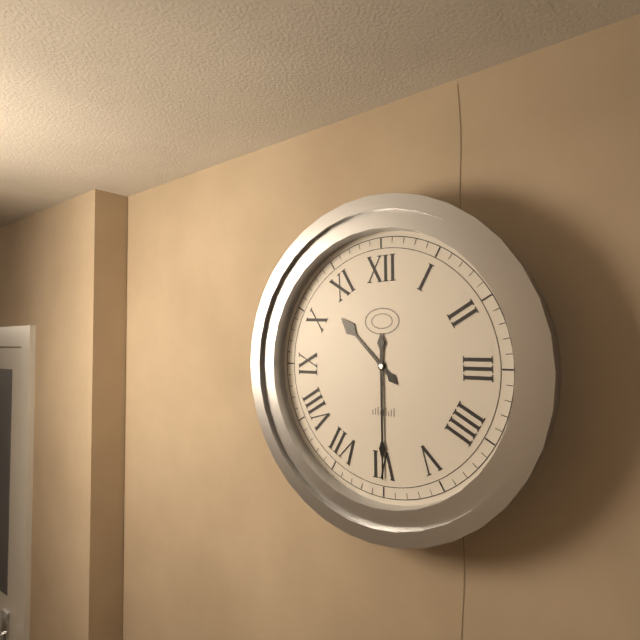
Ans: 10:30
